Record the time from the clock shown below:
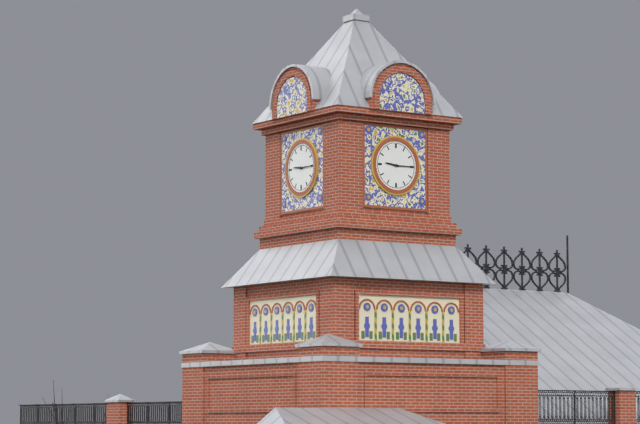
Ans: 9:15
